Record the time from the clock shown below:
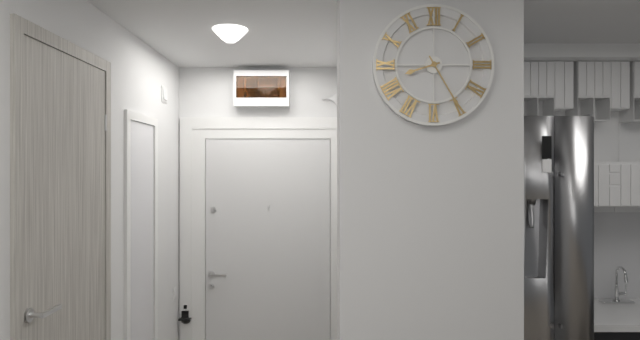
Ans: 8:25
